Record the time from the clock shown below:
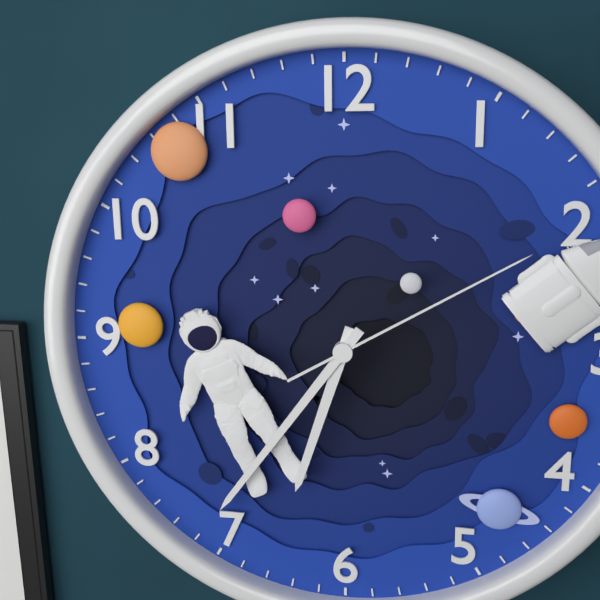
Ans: 6:36:10
